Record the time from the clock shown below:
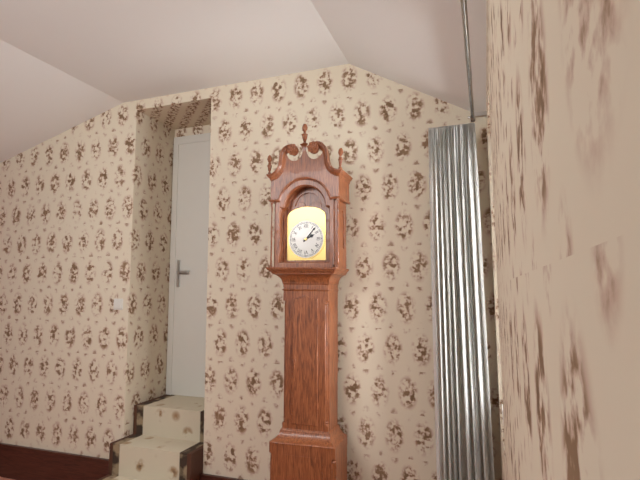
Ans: 2:07
